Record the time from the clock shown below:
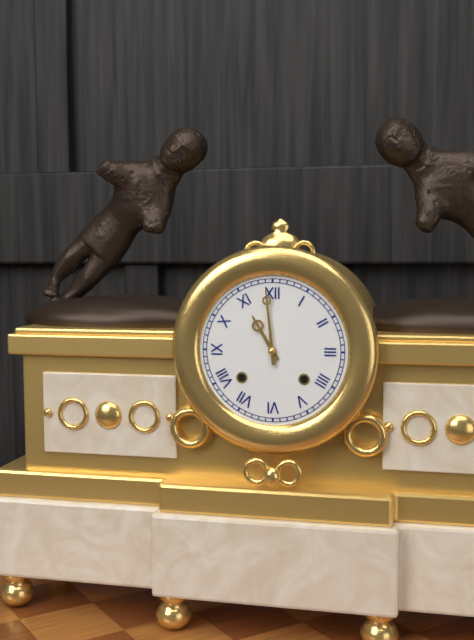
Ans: 10:59
